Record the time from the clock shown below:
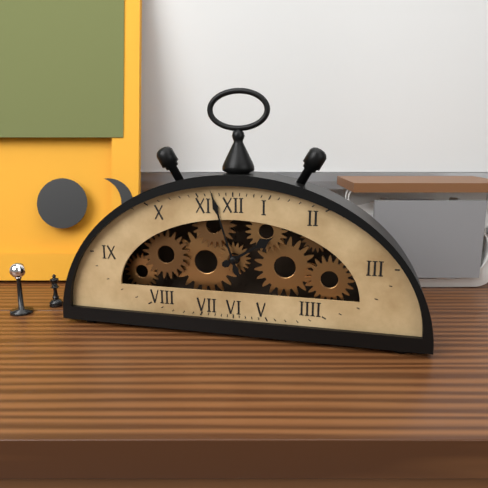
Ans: 1:57
